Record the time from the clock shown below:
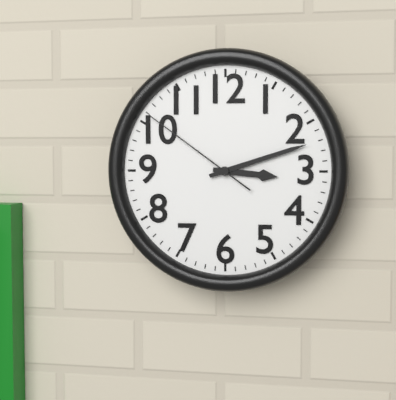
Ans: 3:12:51
